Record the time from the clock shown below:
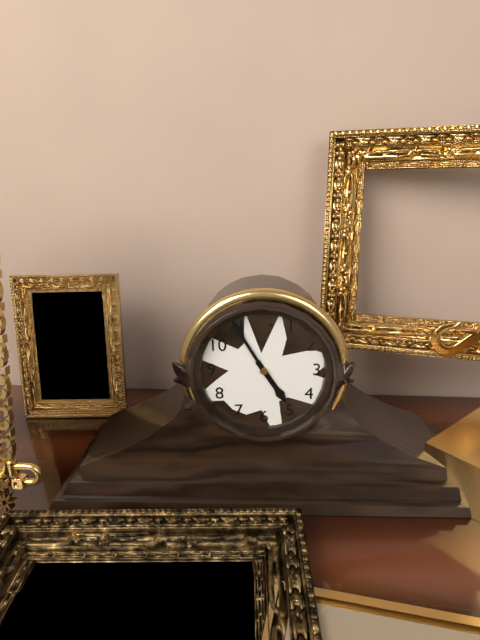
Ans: 4:55
